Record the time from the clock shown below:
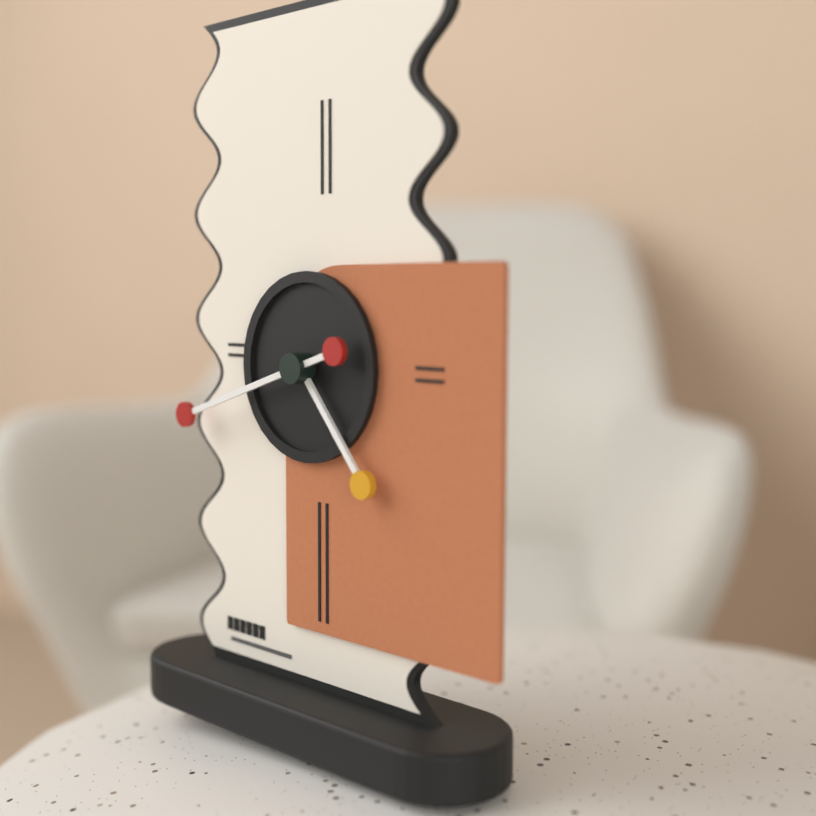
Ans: 4:42
